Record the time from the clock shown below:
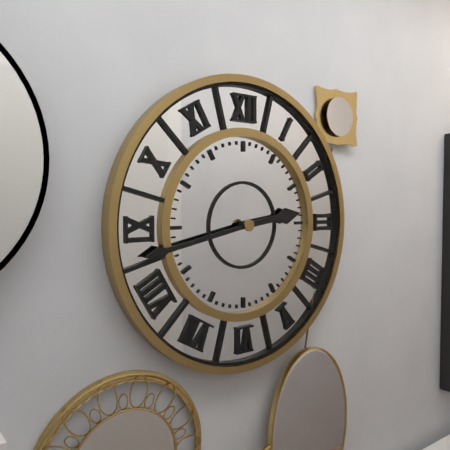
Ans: 2:43
